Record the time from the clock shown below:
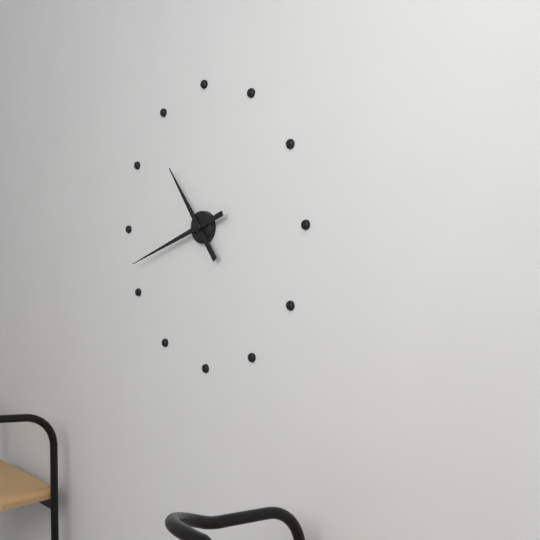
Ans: 10:42
